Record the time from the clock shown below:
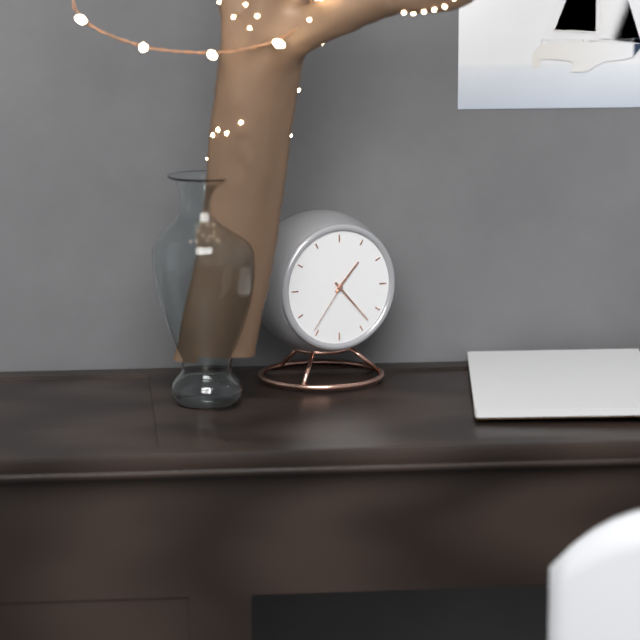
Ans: 1:23:36
